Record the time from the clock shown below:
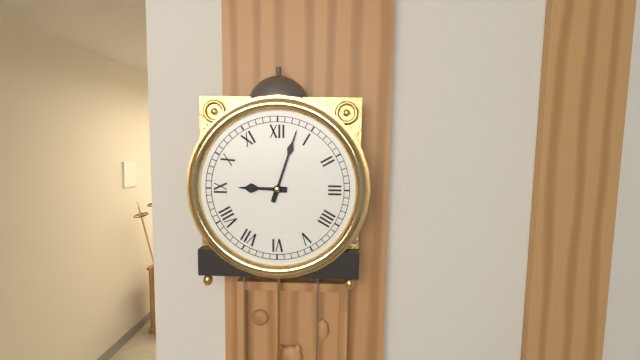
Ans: 9:03
